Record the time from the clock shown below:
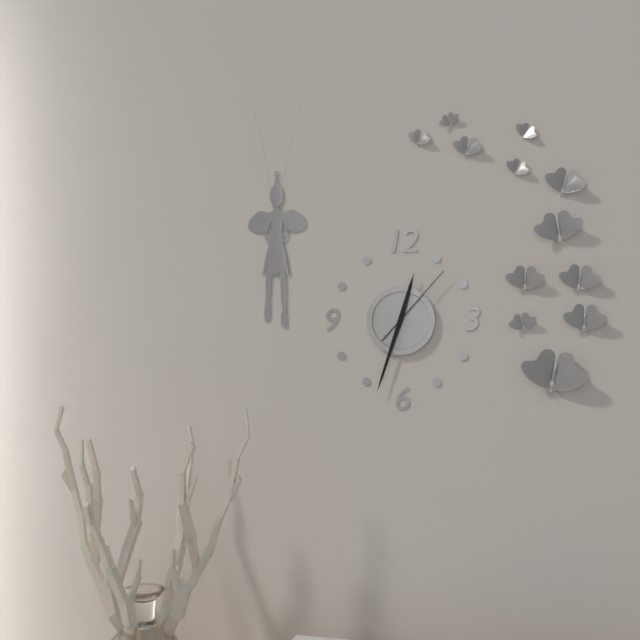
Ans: 12:33:07
